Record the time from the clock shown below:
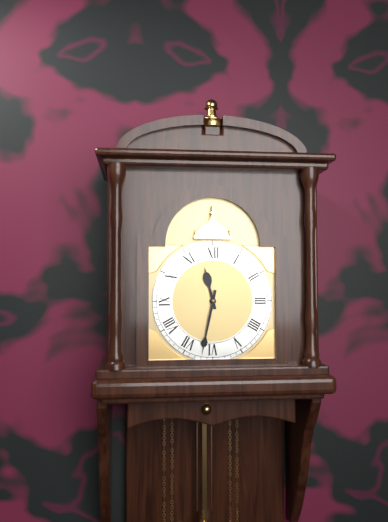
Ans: 11:32
